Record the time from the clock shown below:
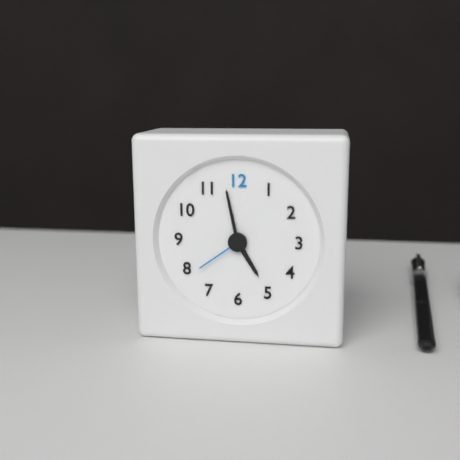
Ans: 4:58:39
